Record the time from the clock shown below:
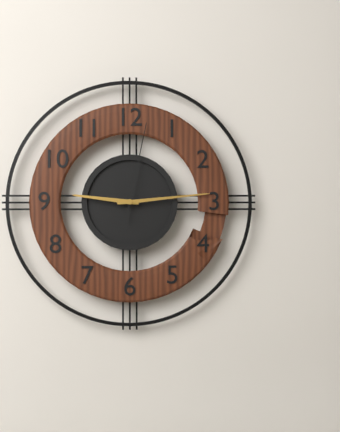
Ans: 9:14:02
